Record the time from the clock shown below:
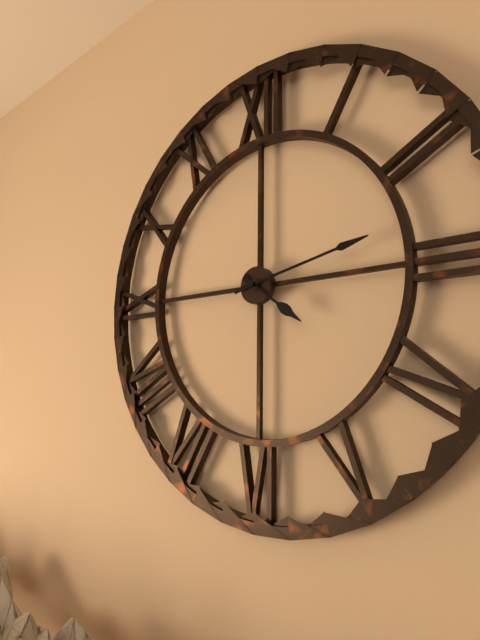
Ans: 4:13
